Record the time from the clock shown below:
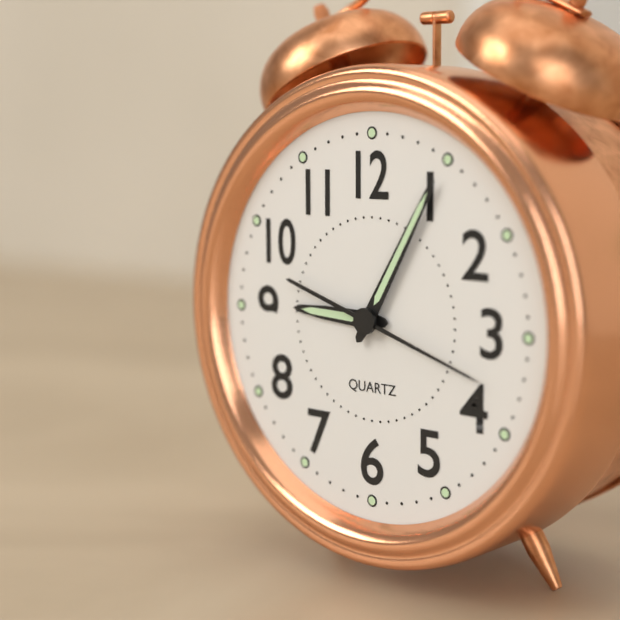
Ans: 9:05:18
